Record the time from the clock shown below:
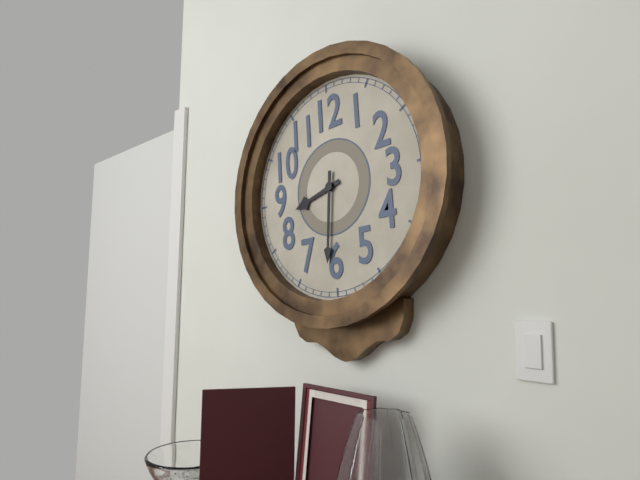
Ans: 8:31
